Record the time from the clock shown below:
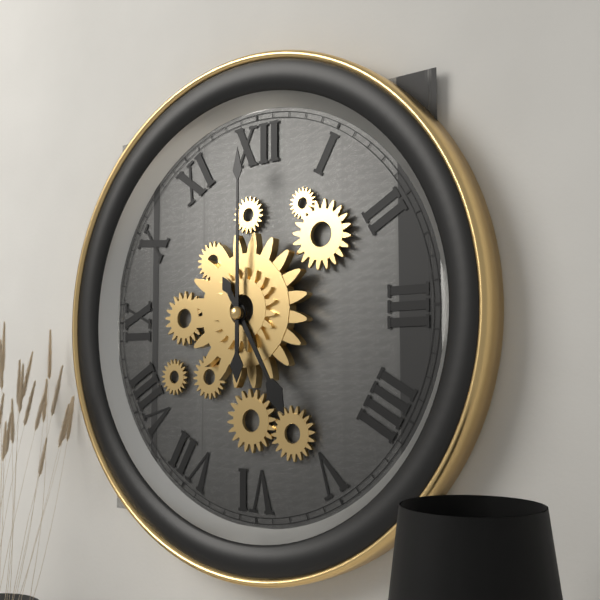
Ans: 5:00
